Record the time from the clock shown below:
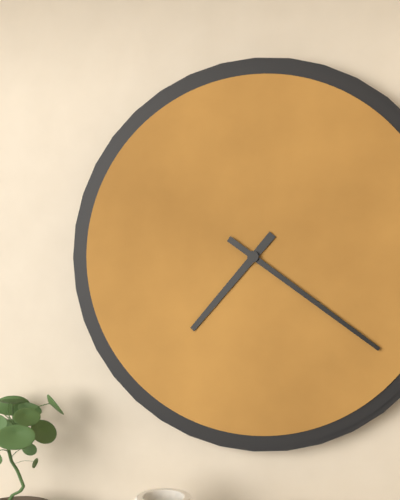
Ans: 7:21
